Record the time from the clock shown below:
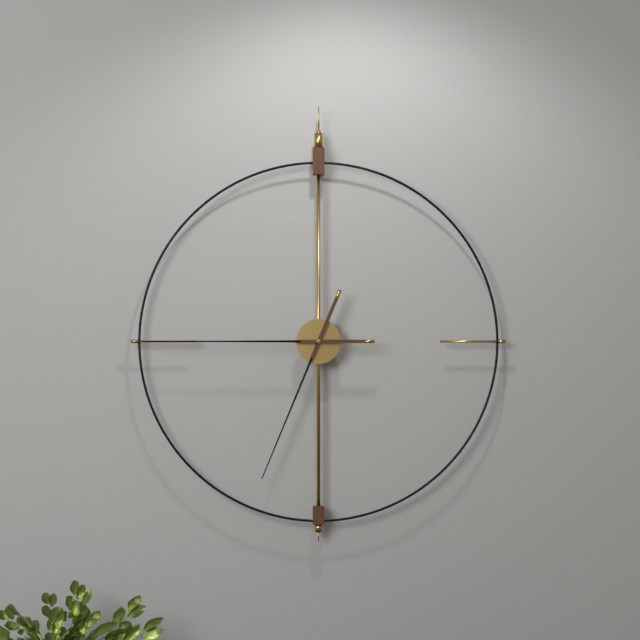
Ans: 6:45
